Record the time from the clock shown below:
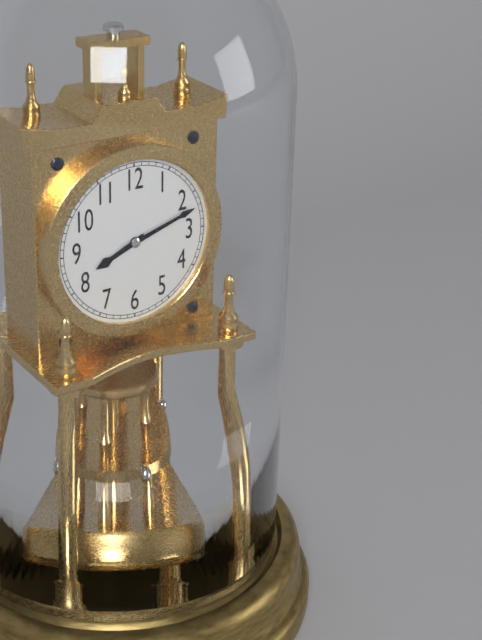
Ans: 8:12
